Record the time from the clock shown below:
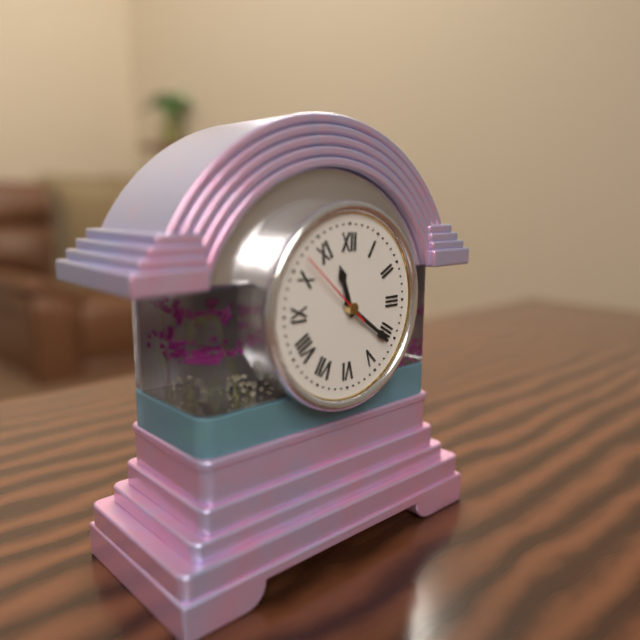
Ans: 11:21:52
